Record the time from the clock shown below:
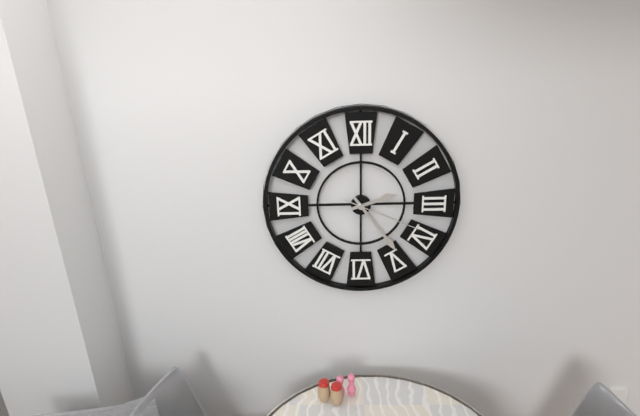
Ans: 2:24:19
